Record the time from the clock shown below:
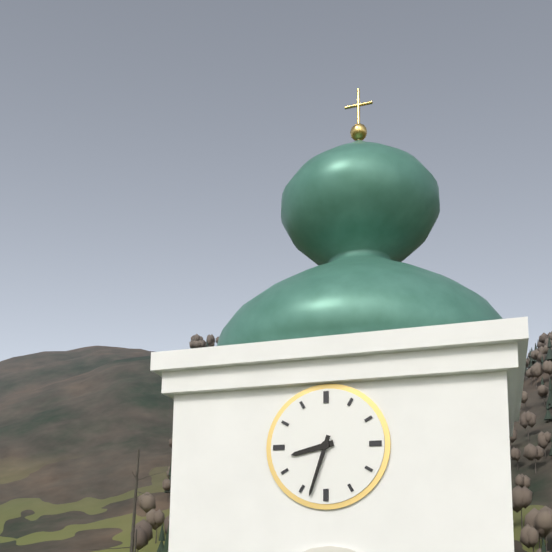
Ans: 8:33
